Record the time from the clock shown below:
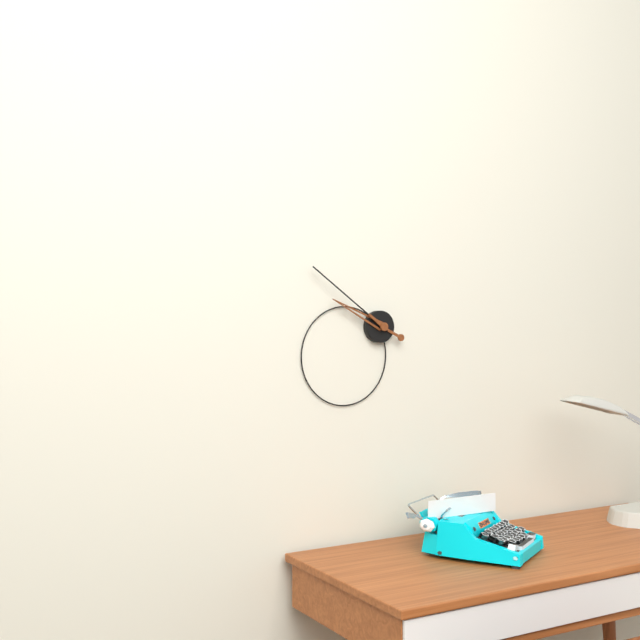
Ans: 9:51
